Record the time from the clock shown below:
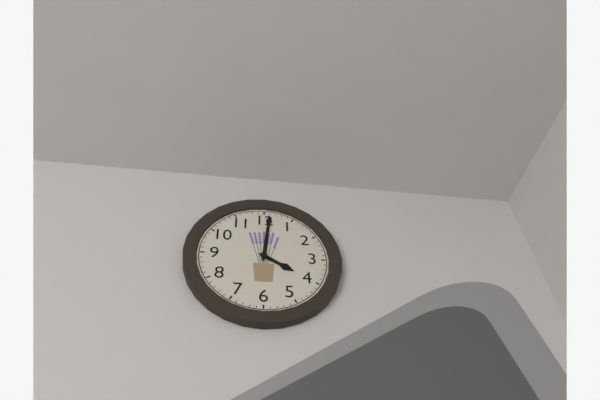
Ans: 4:01
